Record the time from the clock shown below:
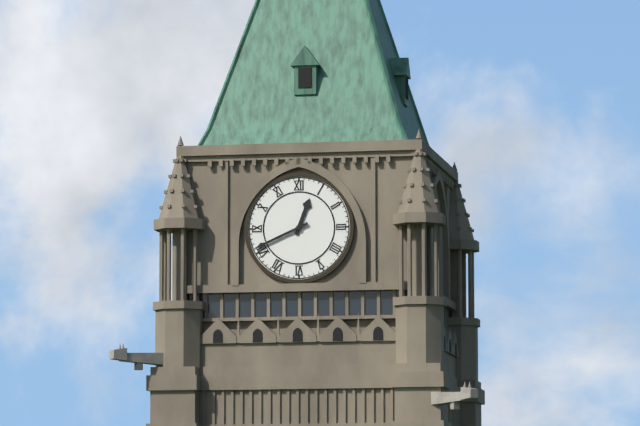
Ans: 12:41
